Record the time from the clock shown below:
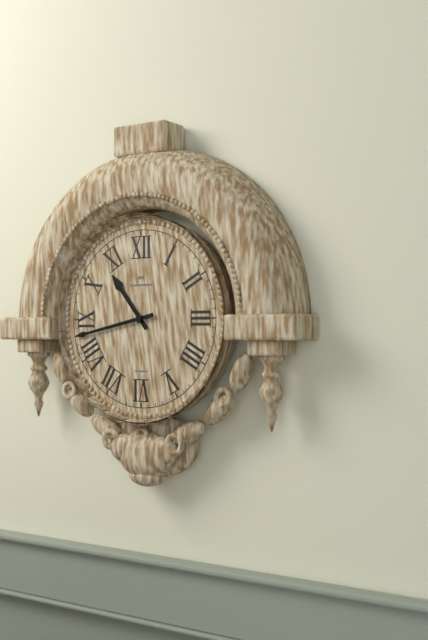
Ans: 10:43
